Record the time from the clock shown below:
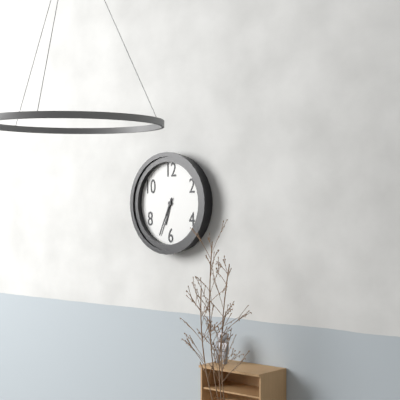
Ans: 6:34
